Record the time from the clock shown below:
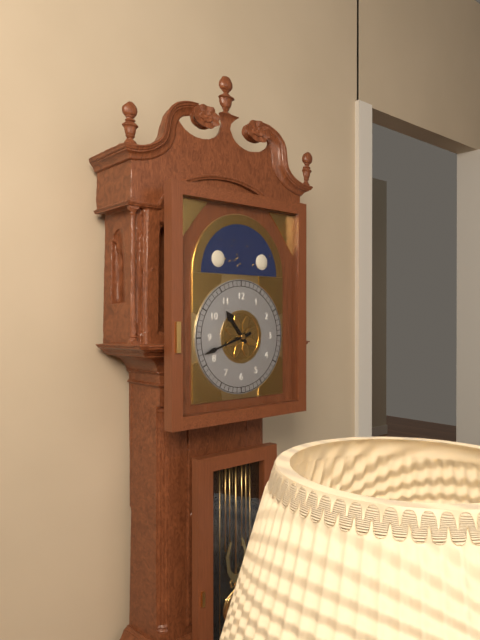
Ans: 10:42
